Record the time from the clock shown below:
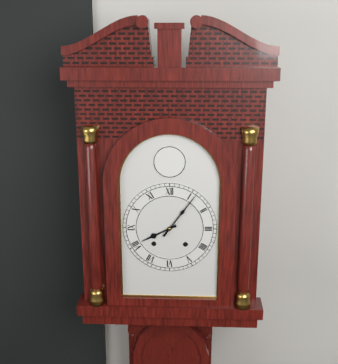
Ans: 8:06
